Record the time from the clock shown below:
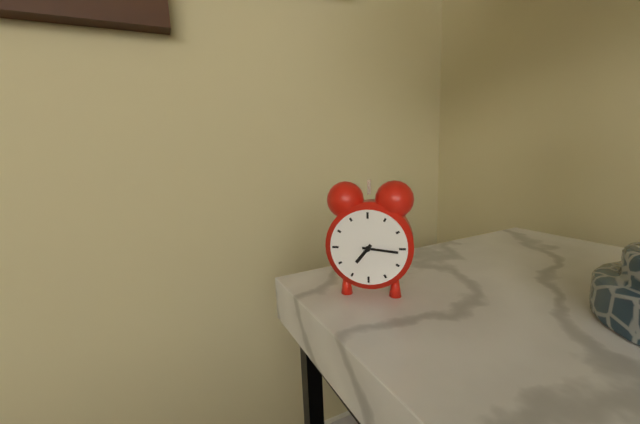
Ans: 7:16
